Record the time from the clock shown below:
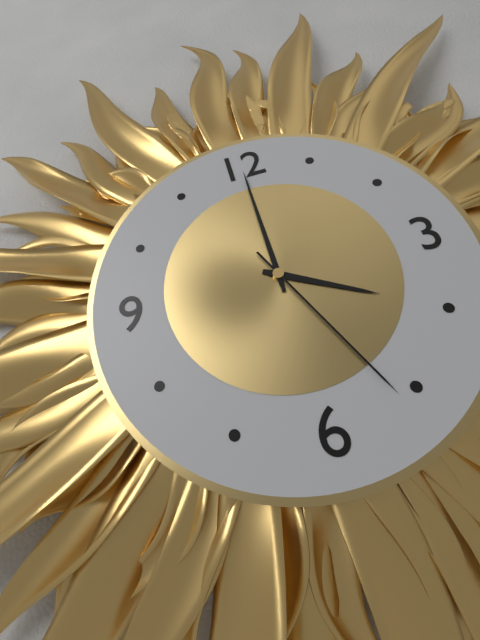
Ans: 4:00:26
